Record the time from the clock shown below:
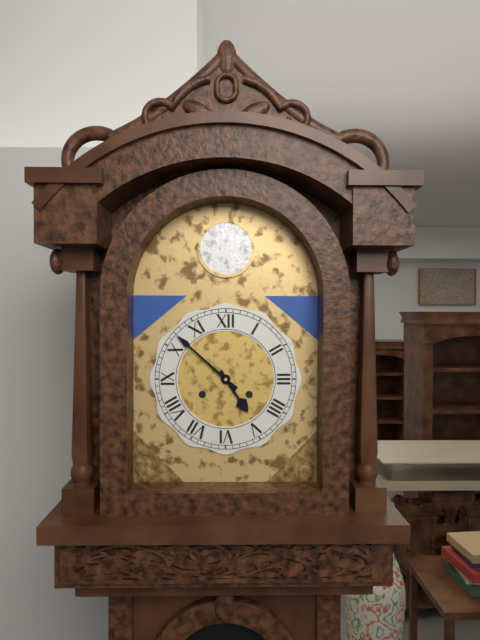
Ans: 4:52
